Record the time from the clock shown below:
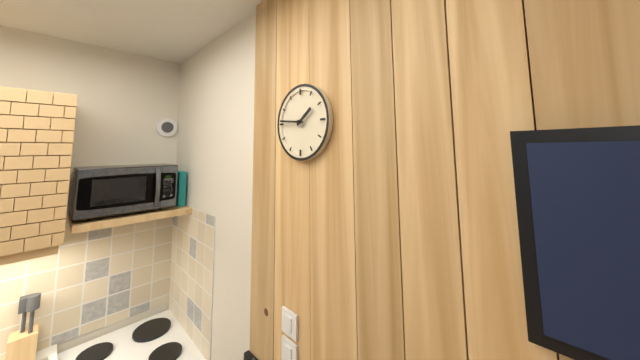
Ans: 1:46
